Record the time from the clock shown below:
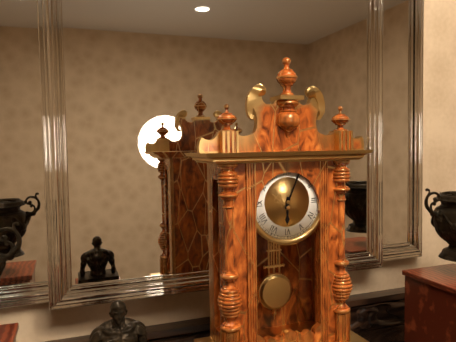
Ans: 6:04
